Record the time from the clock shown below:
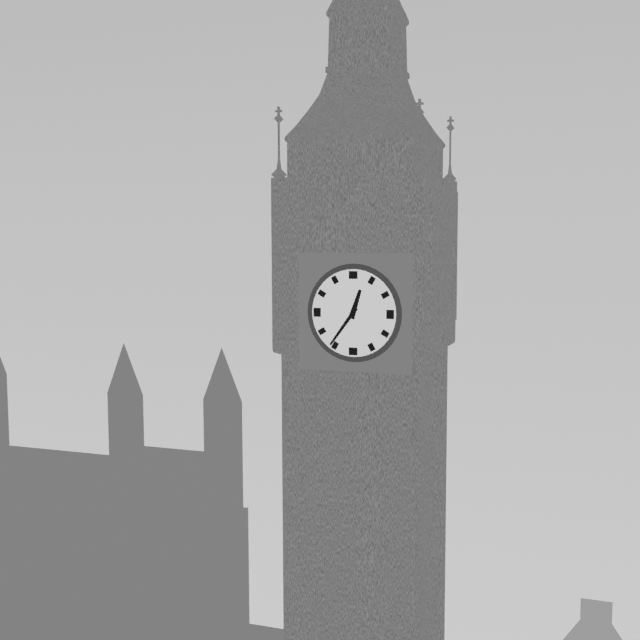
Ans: 12:36
